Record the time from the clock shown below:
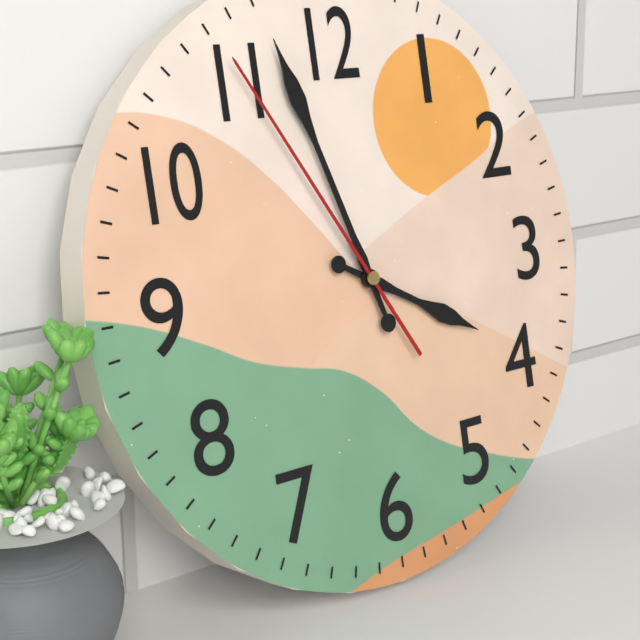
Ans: 3:57:55
